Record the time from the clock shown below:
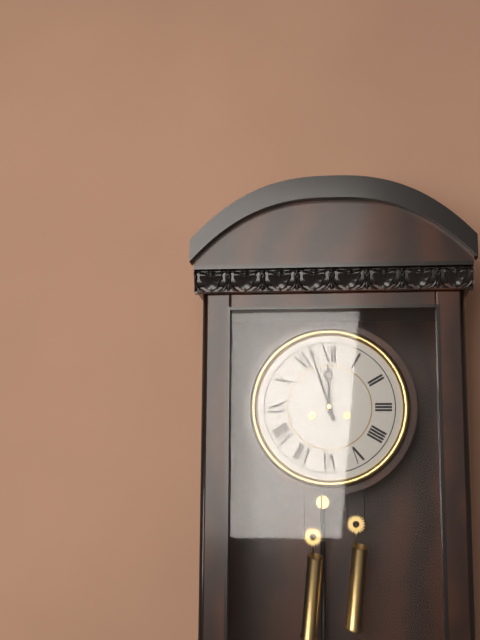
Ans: 11:57
